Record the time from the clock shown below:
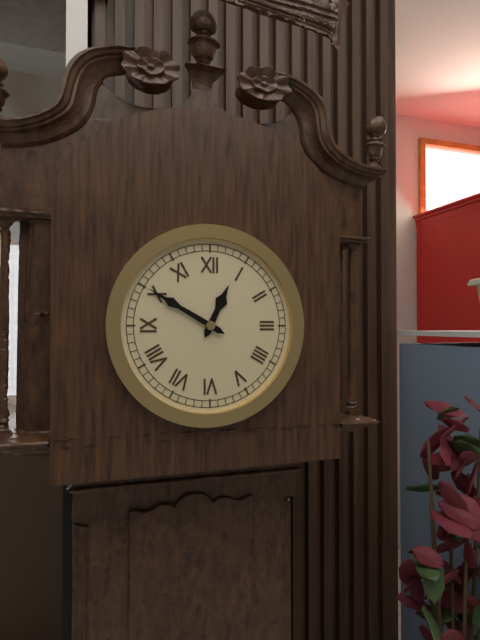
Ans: 12:50
